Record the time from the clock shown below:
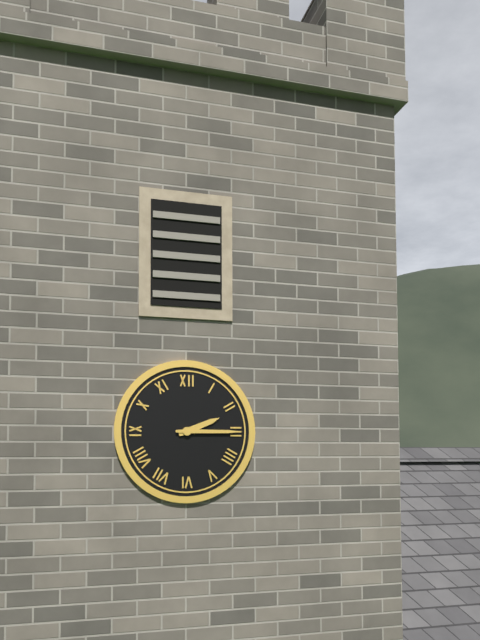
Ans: 2:15
